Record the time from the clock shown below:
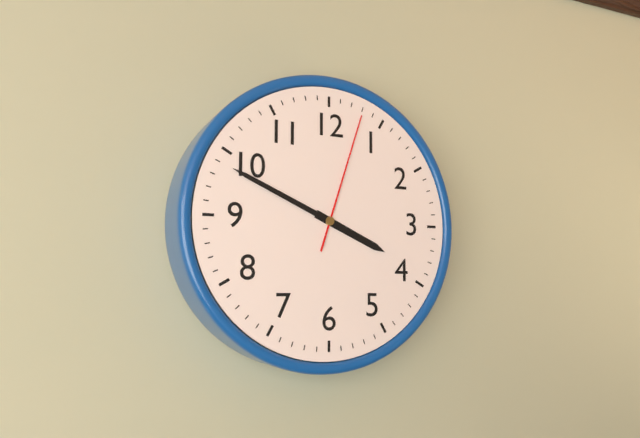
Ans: 3:49:03
